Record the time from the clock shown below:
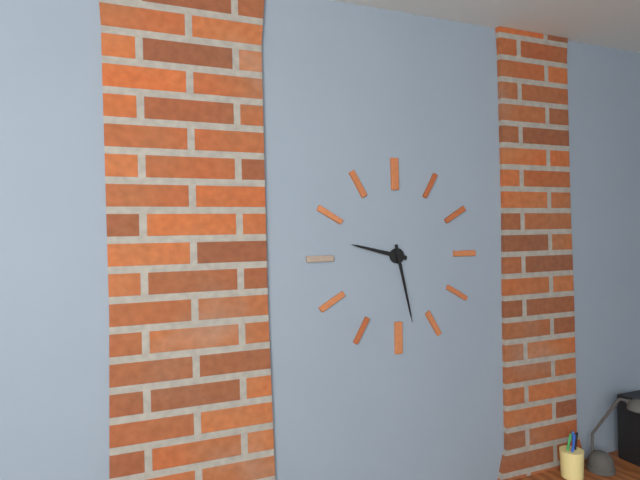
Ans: 9:28
